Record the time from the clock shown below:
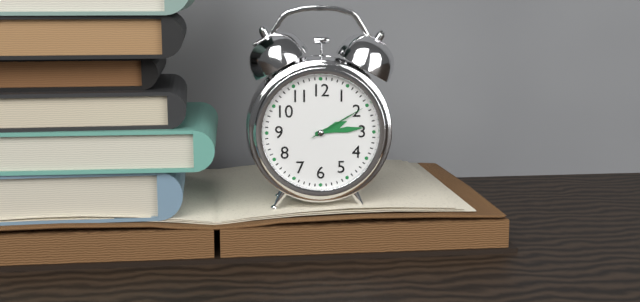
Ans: 2:14:10
